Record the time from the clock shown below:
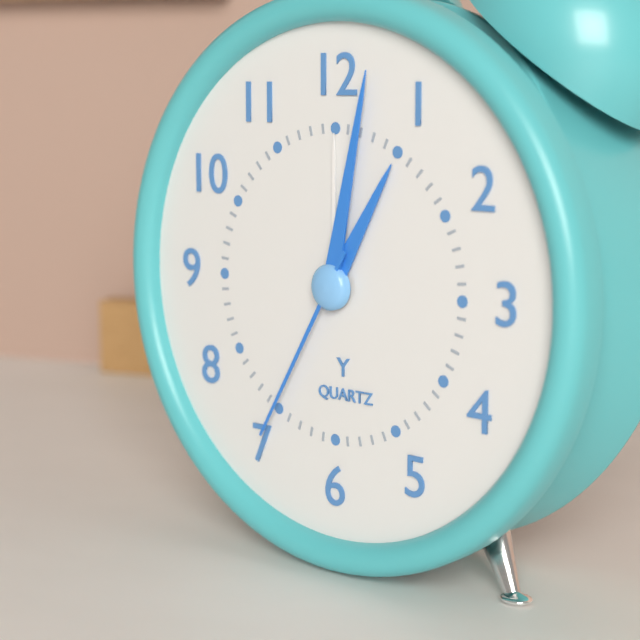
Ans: 1:02:35
